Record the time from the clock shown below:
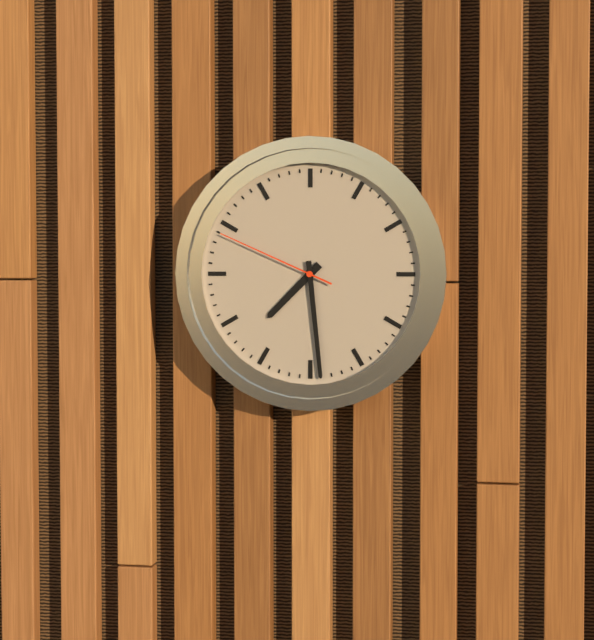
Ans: 7:29:49
